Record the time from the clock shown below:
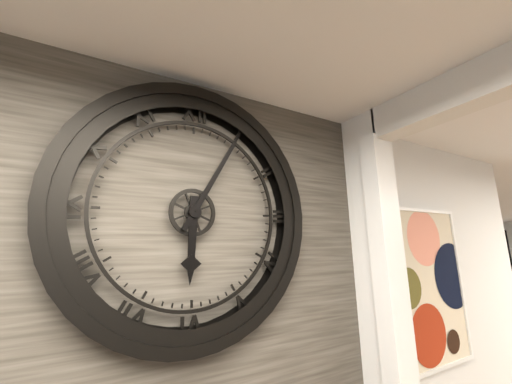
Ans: 6:05
